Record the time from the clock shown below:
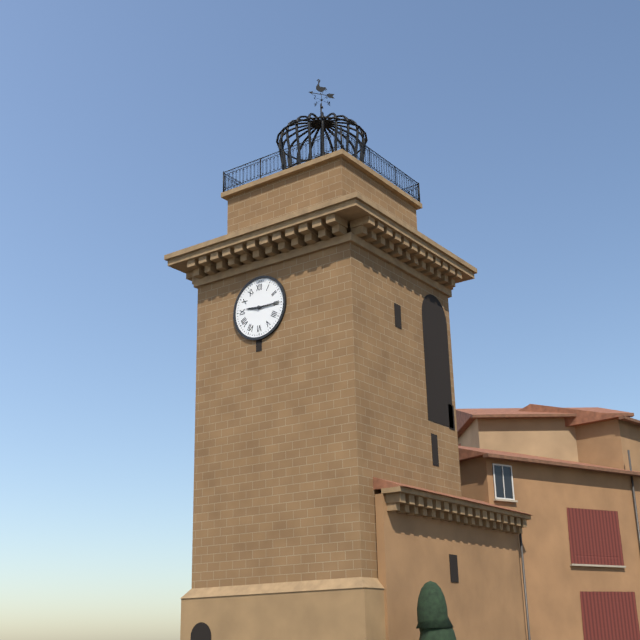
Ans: 9:15
